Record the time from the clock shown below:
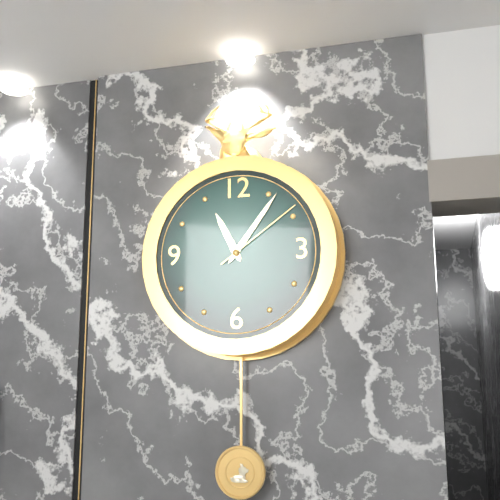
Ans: 11:06:09
